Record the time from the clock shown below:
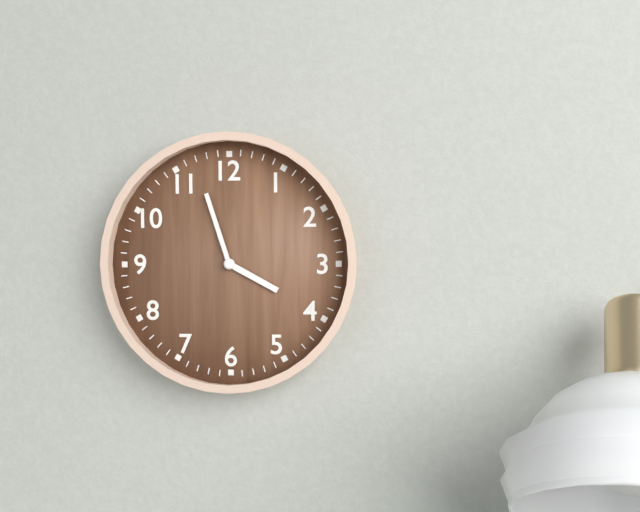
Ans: 3:57
